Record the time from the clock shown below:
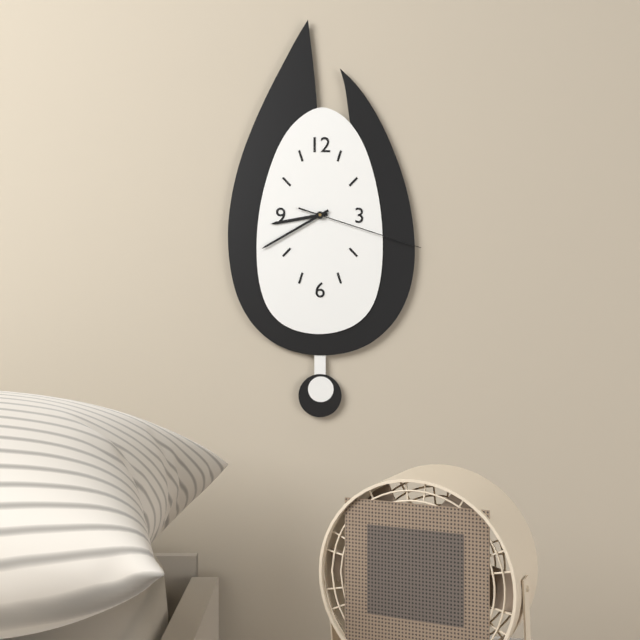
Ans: 8:40:18
